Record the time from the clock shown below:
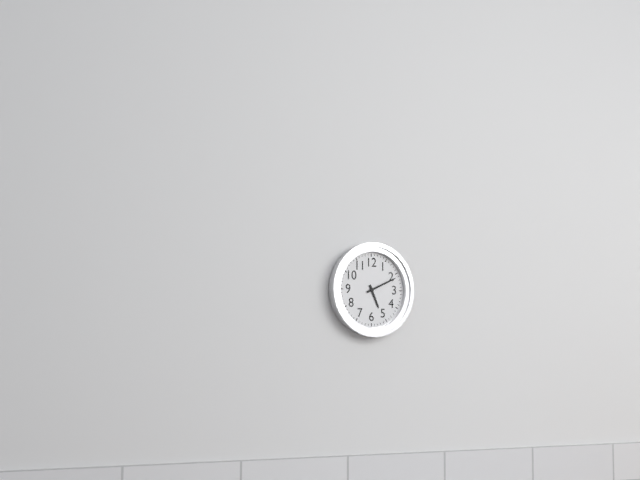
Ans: 5:11
